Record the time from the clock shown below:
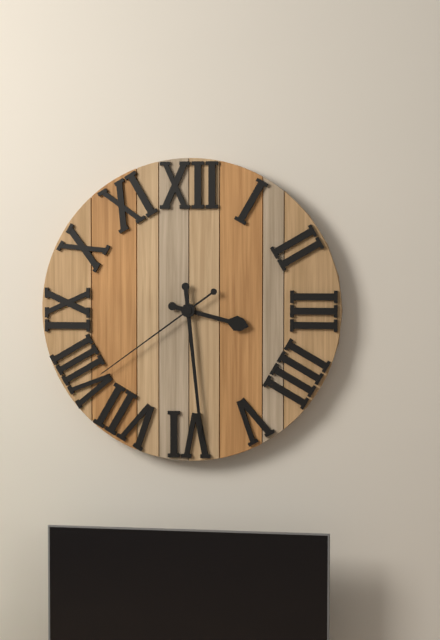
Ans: 3:29:39
